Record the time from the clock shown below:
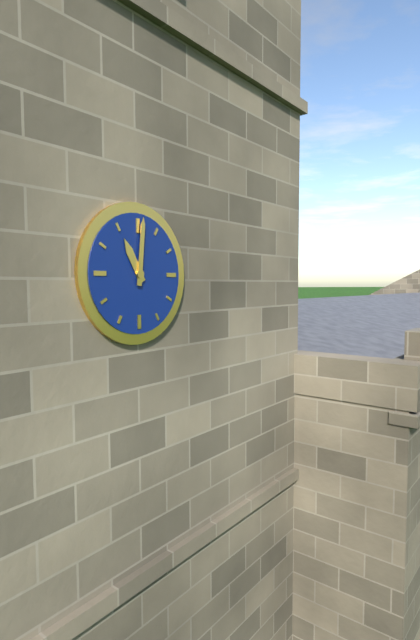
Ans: 11:01
